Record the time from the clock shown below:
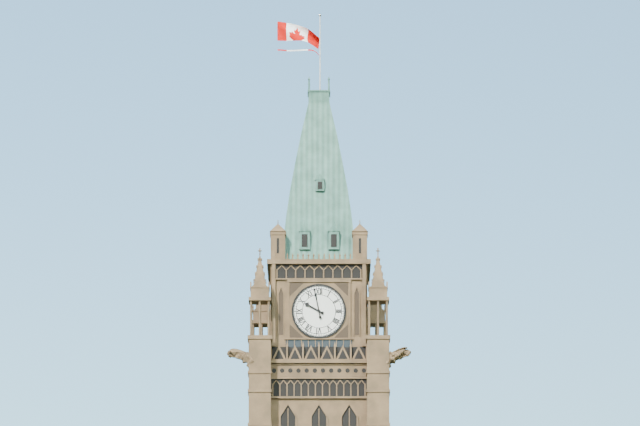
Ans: 9:58
